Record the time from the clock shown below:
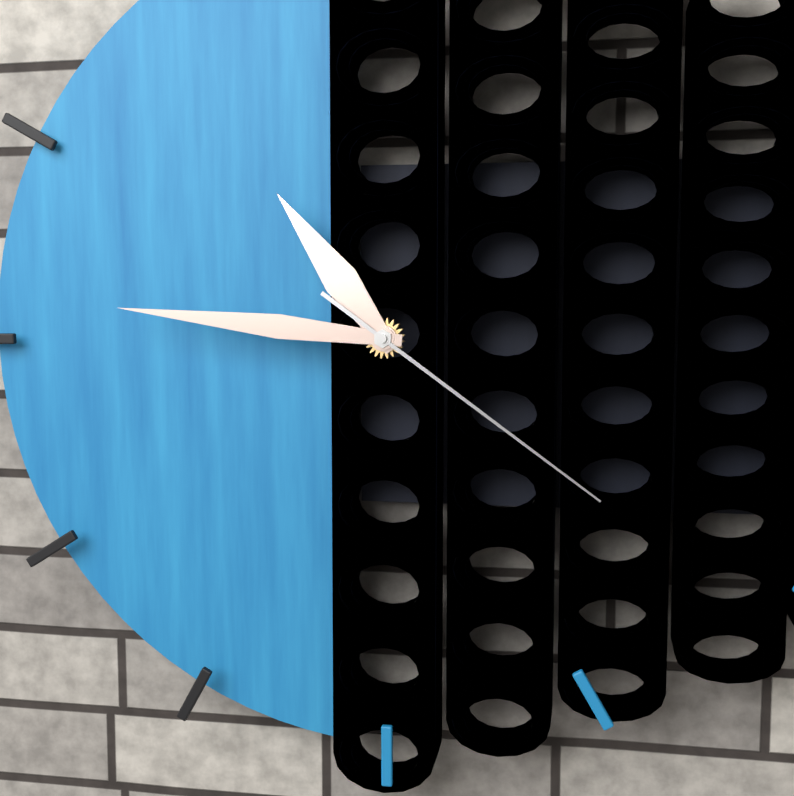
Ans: 10:46:21
